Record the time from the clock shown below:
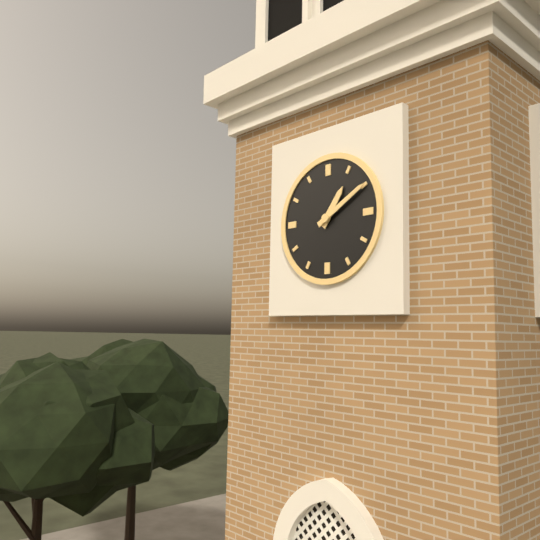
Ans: 1:10
